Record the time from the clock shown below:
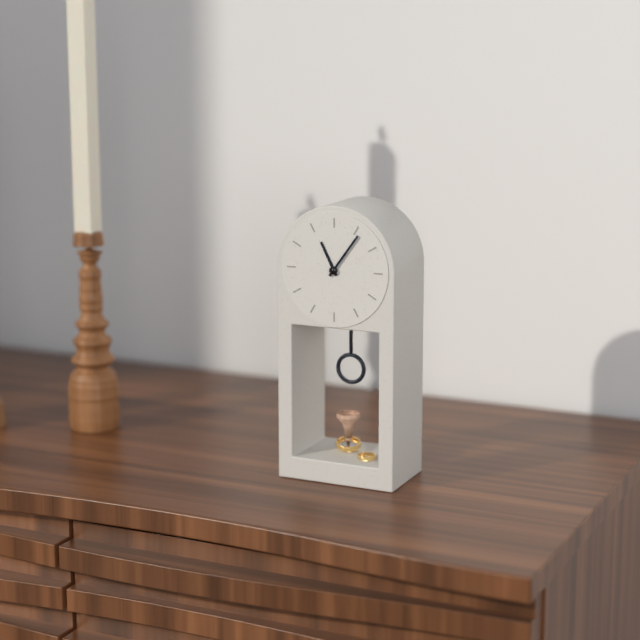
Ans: 11:06
